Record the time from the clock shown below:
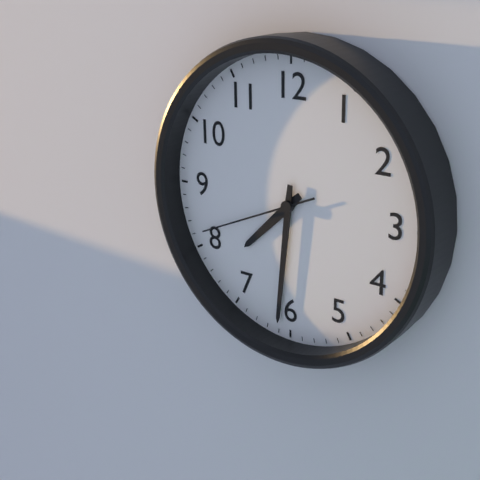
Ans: 7:31:41
